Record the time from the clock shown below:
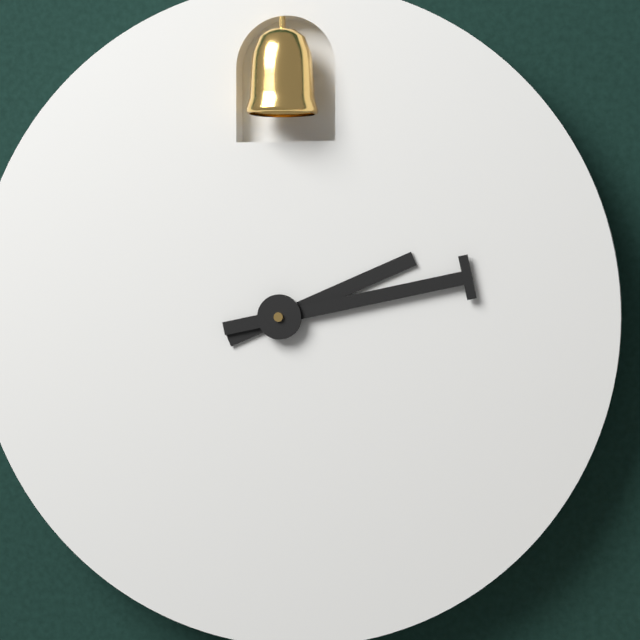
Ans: 2:13
